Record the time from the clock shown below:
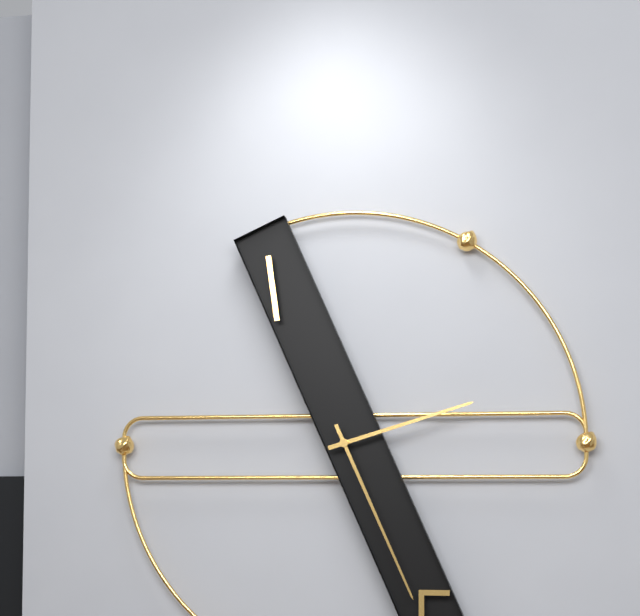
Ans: 2:26
